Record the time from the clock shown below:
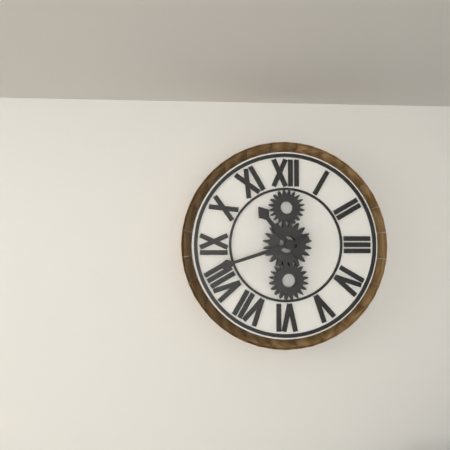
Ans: 10:42
